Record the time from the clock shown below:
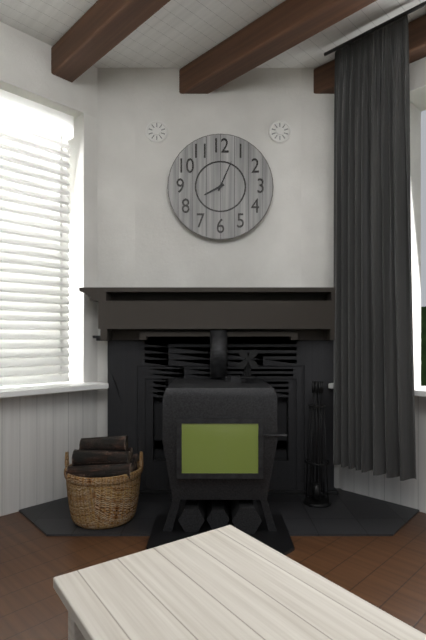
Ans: 8:04
